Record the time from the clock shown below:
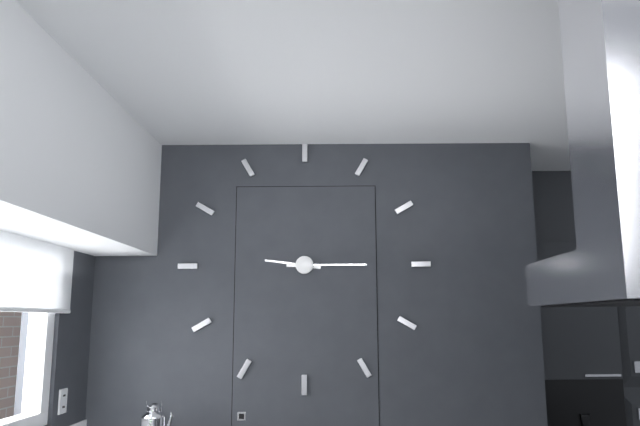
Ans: 9:15
